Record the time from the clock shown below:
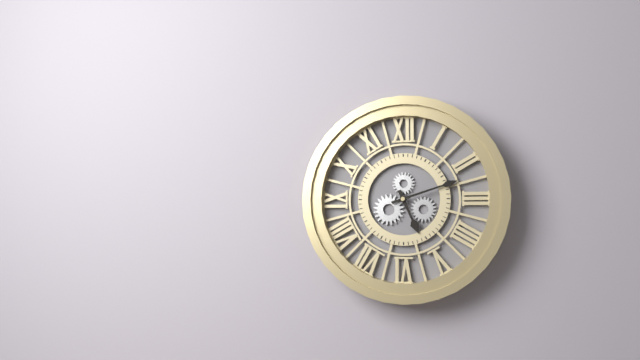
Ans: 5:12
